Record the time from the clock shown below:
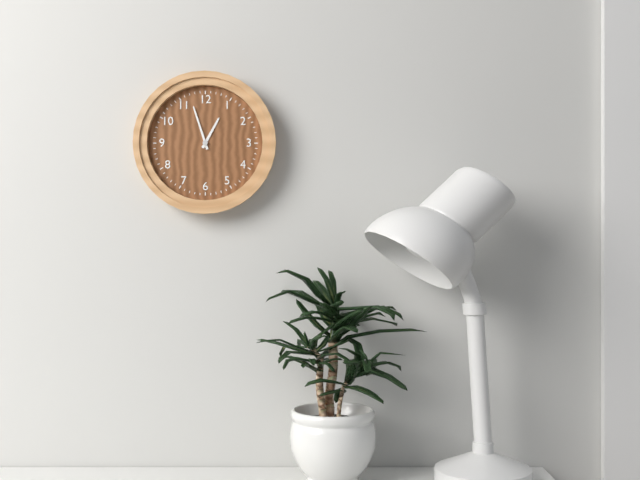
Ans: 12:57
